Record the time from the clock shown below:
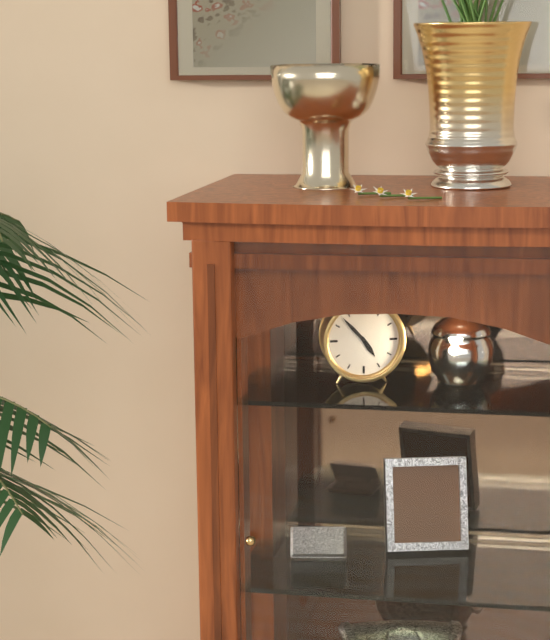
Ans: 4:53
